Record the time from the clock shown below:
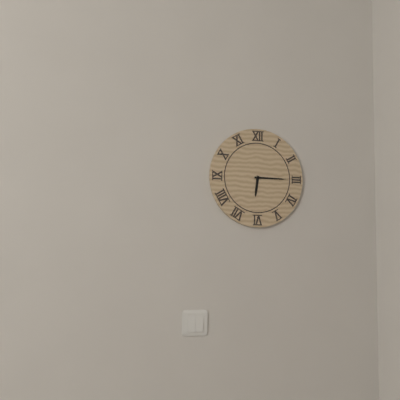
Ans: 6:15
